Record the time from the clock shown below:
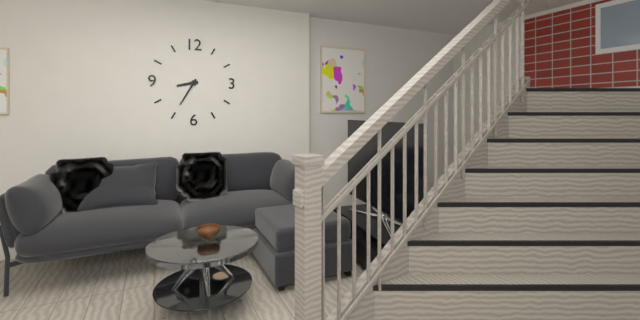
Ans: 8:35
